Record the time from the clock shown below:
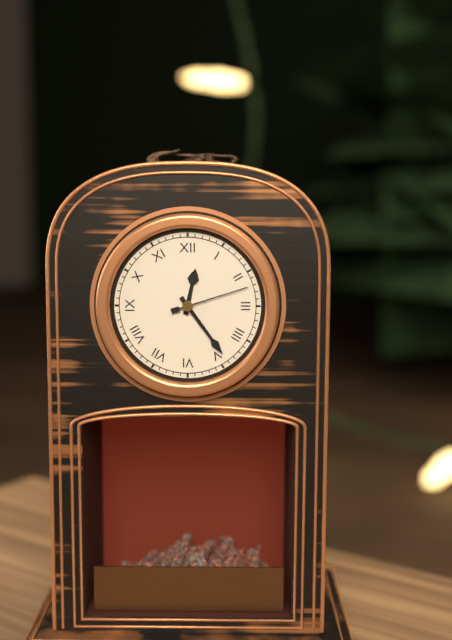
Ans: 12:24:12
